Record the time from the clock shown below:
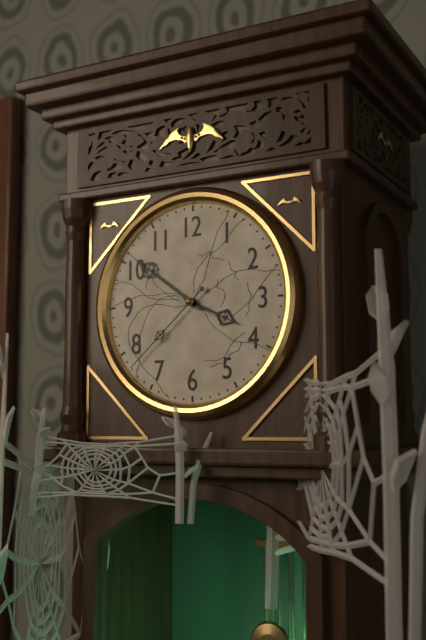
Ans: 3:51:38
